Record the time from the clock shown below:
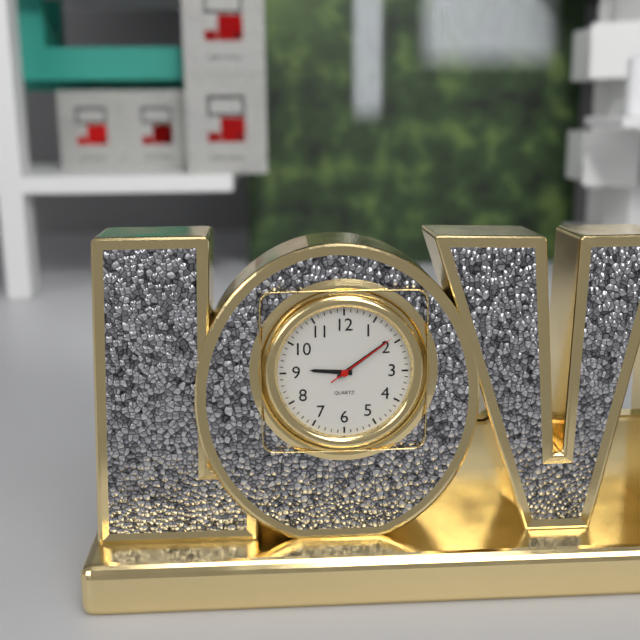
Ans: 9:09:09
